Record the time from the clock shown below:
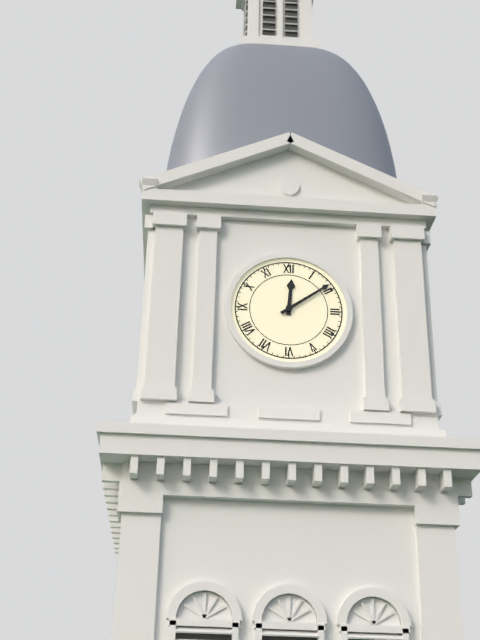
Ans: 12:09
